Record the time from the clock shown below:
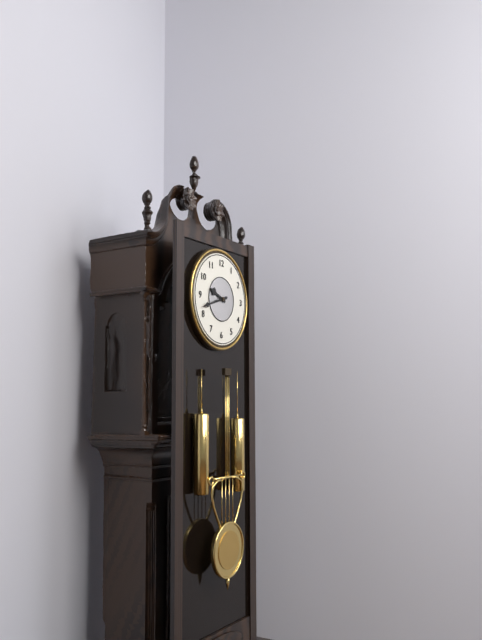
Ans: 9:42
